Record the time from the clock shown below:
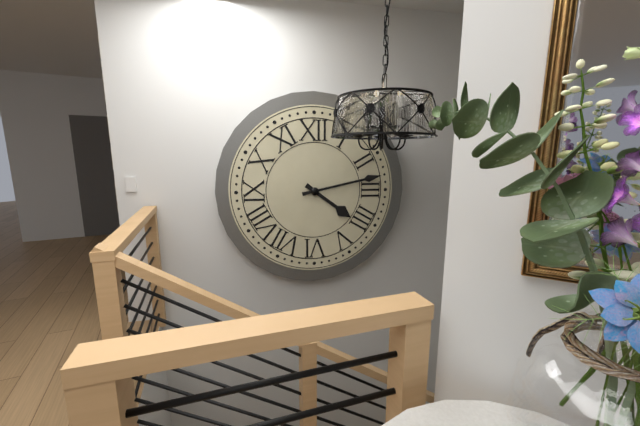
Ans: 4:13
